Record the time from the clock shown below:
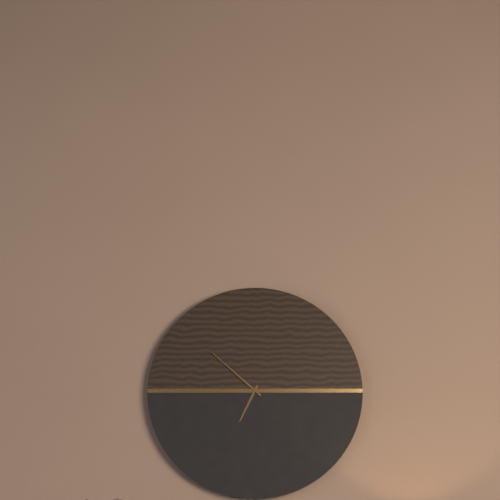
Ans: 6:52
